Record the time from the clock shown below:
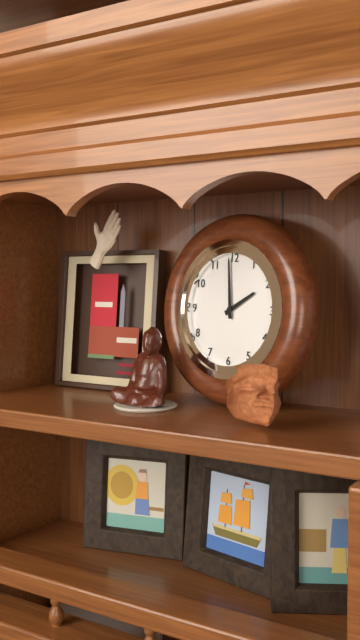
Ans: 1:59
